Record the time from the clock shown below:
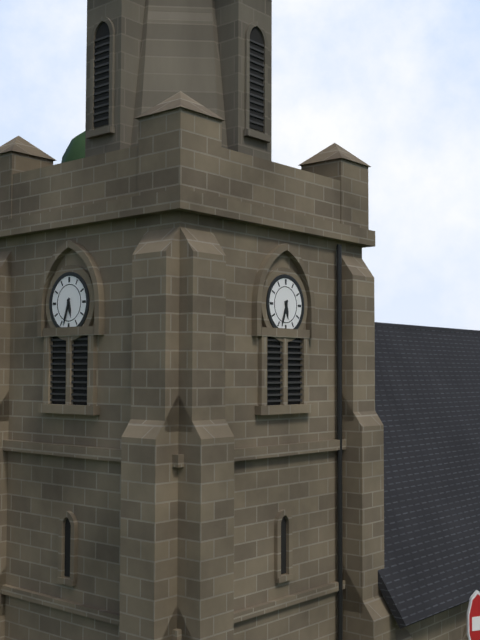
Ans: 5:33
